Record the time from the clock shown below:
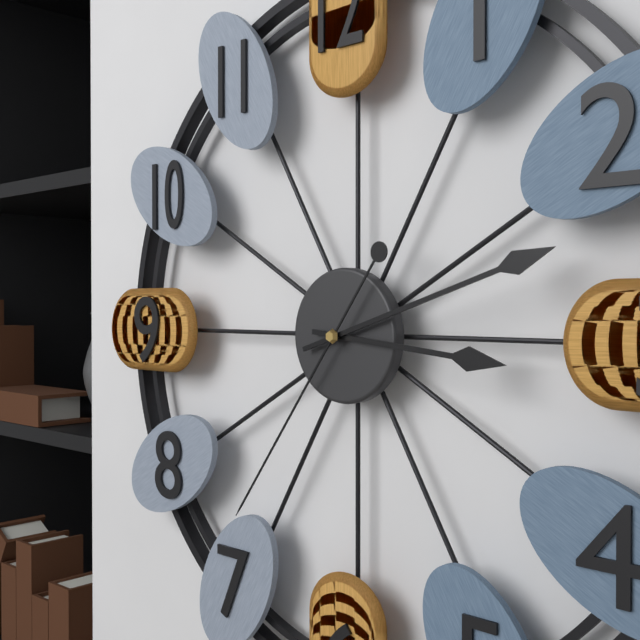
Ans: 3:12:36
